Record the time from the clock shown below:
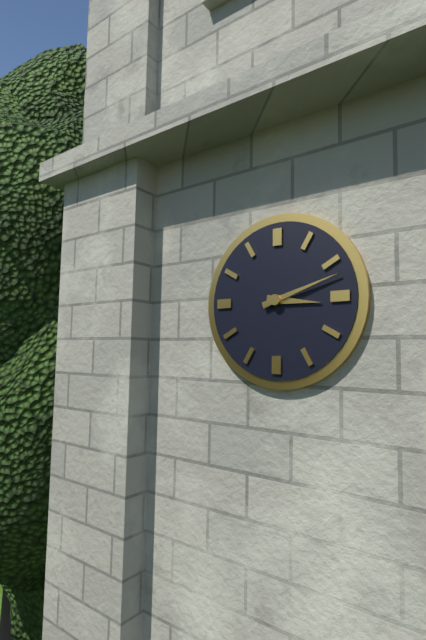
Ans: 3:12
